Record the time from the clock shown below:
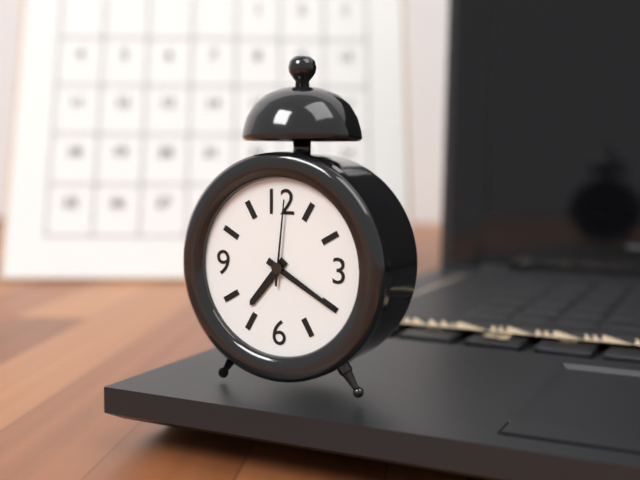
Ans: 7:20:01
